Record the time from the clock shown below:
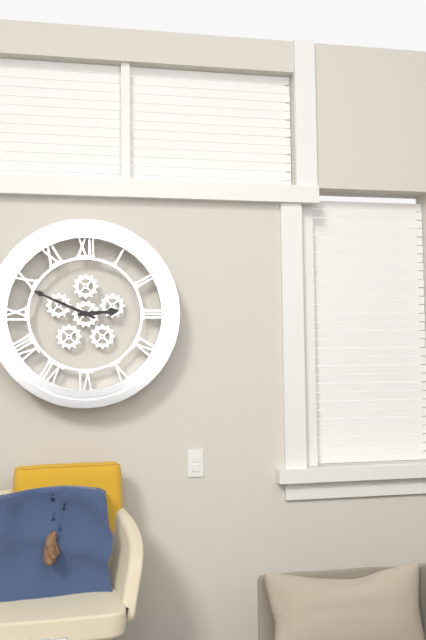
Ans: 2:49
